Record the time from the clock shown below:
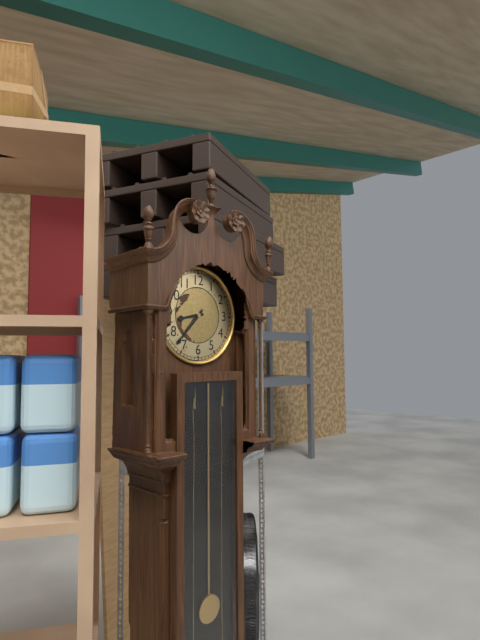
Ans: 8:37
